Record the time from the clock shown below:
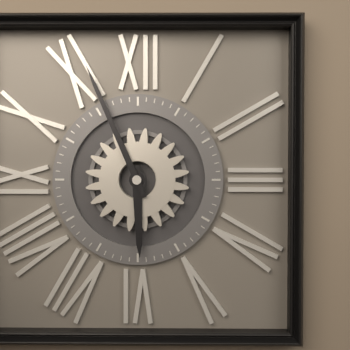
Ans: 5:56
